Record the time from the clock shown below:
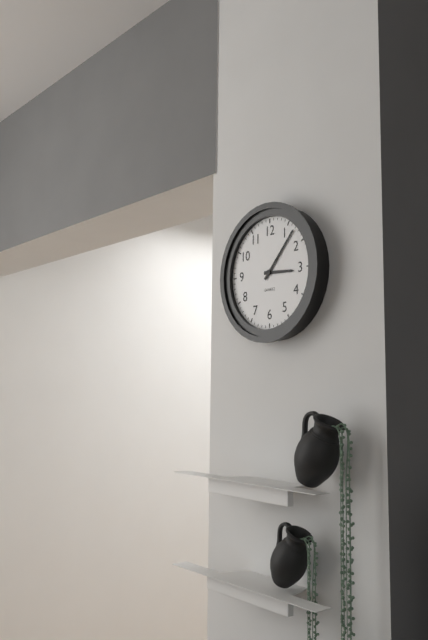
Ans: 3:07
